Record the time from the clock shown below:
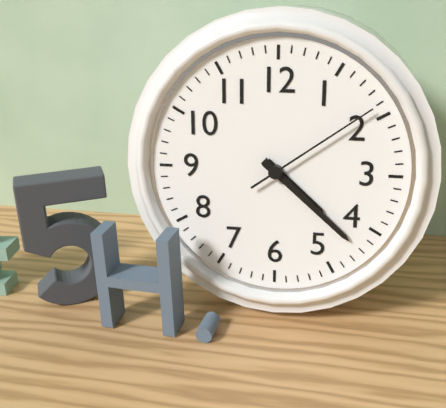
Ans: 4:22:09
